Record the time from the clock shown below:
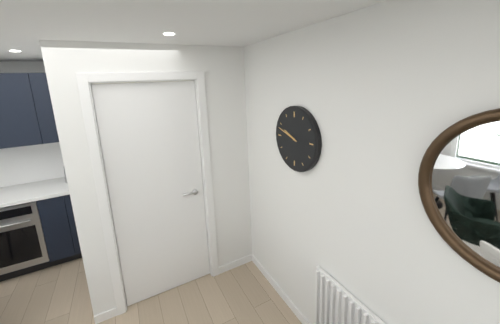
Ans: 9:48
